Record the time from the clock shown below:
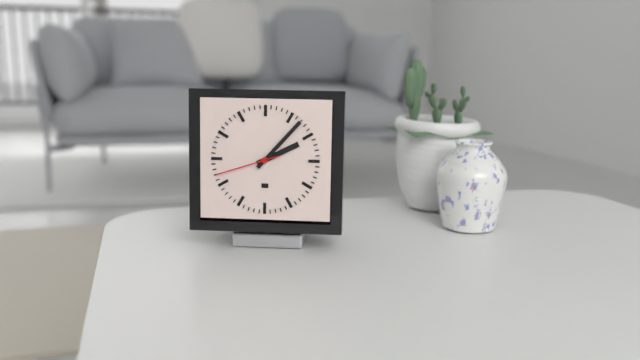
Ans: 2:07:42
